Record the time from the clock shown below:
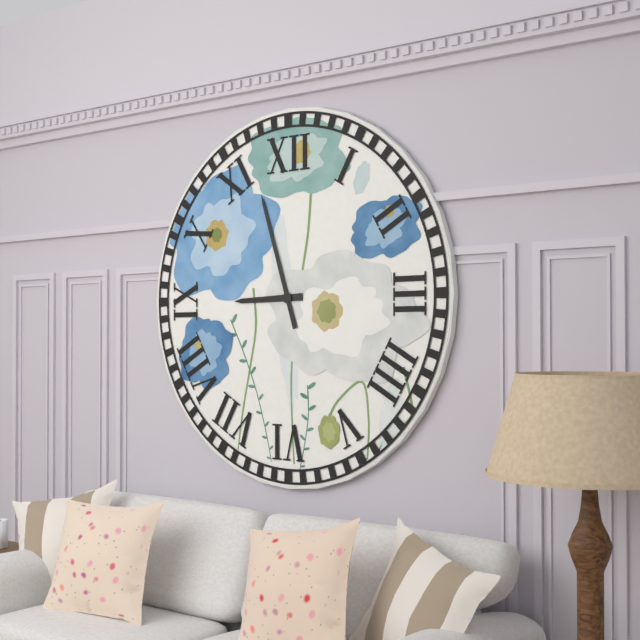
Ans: 8:57
